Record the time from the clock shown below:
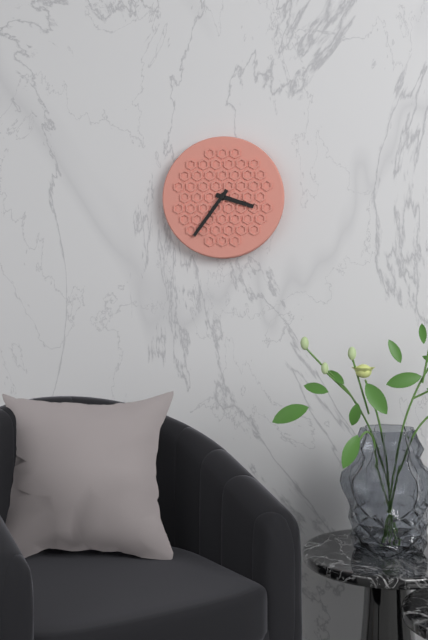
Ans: 3:36
